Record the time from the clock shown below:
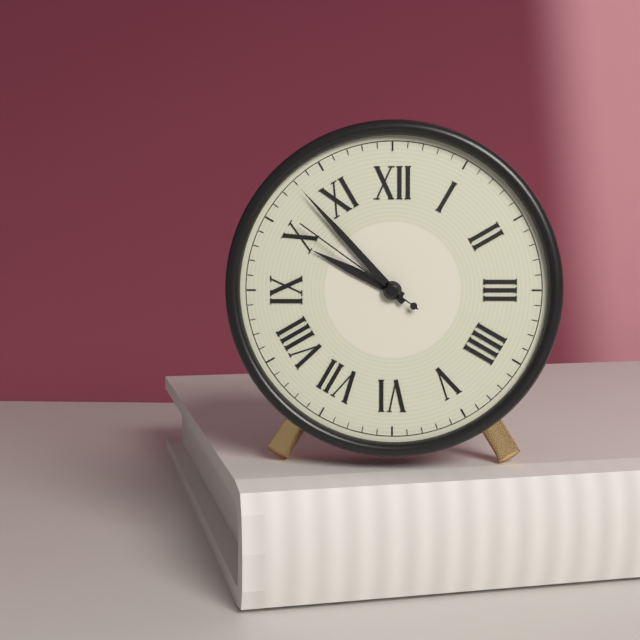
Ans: 9:53:51
